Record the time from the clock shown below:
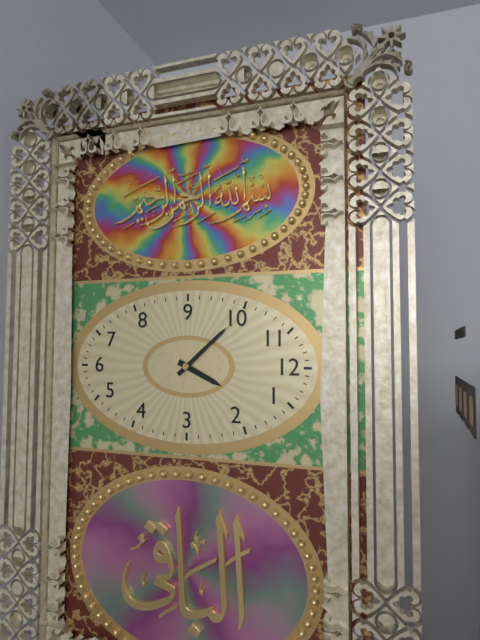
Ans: 12:53
